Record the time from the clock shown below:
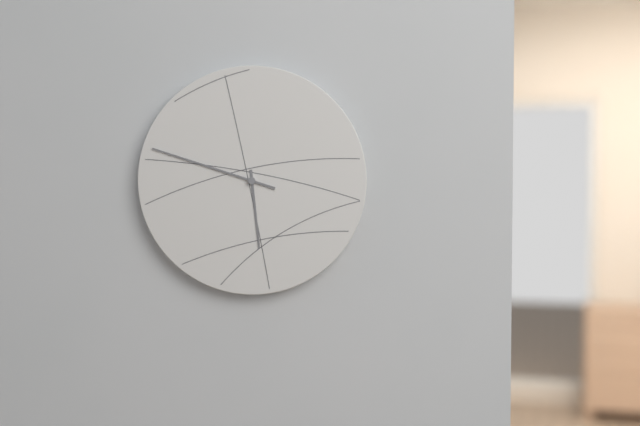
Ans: 5:48
